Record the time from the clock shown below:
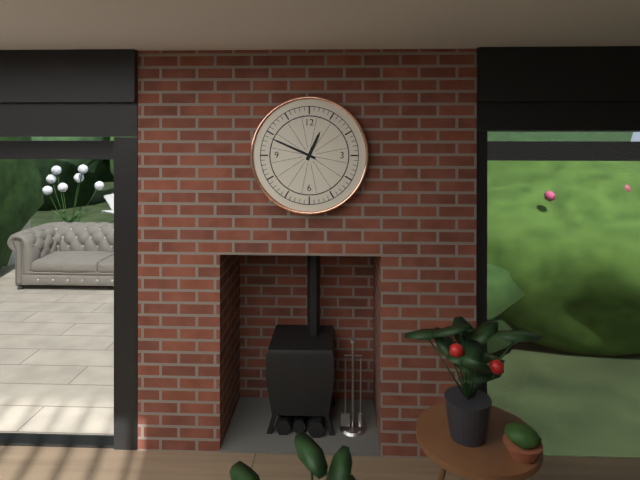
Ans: 12:49
